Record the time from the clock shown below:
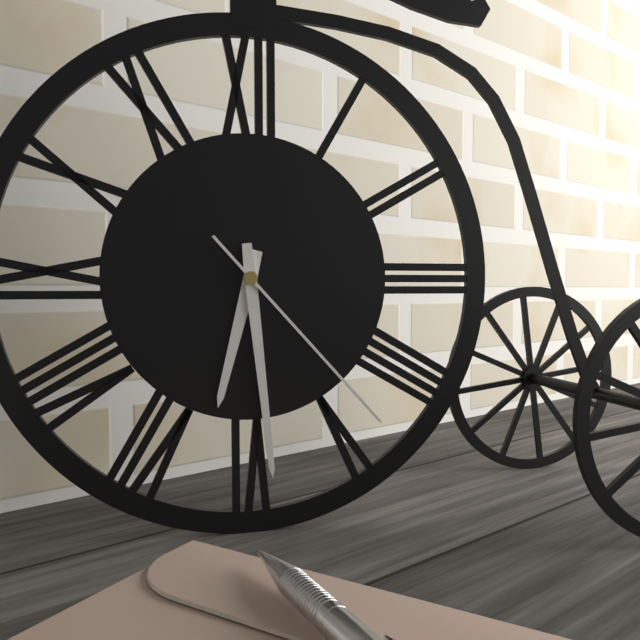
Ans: 6:29:23
